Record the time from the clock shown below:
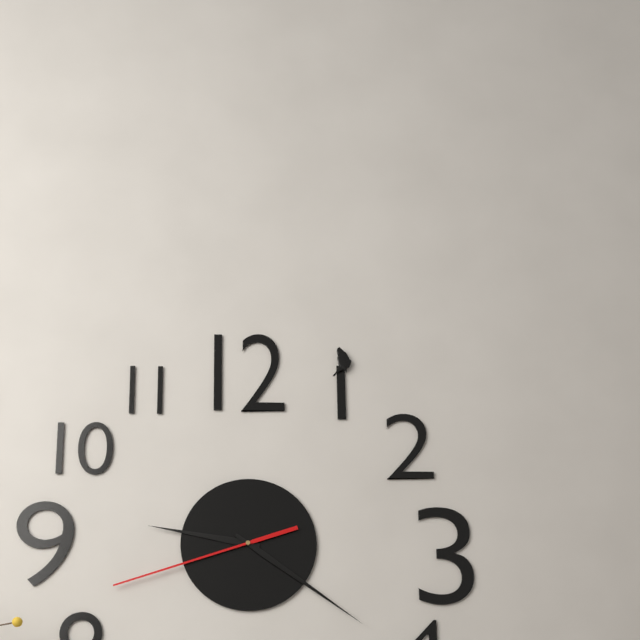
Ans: 9:21:42
